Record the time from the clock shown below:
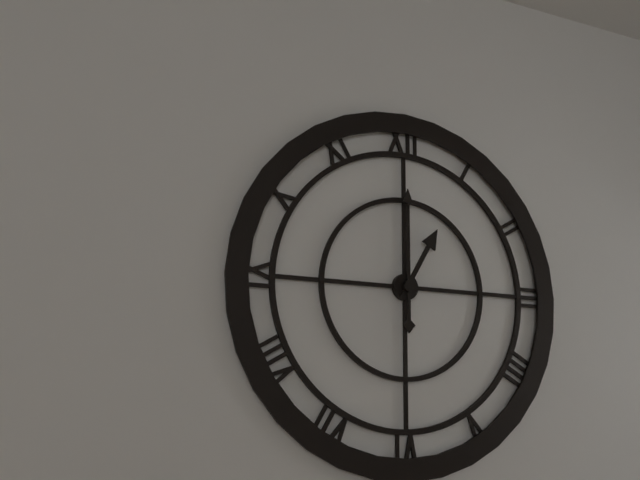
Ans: 1:00
